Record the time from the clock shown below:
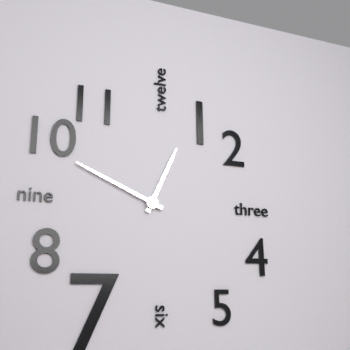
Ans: 12:49
